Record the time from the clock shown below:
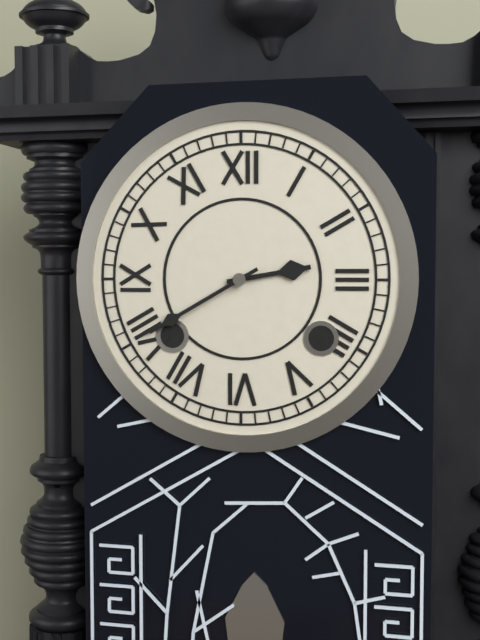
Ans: 2:40
